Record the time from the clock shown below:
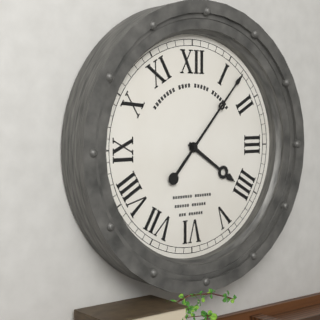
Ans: 4:07
